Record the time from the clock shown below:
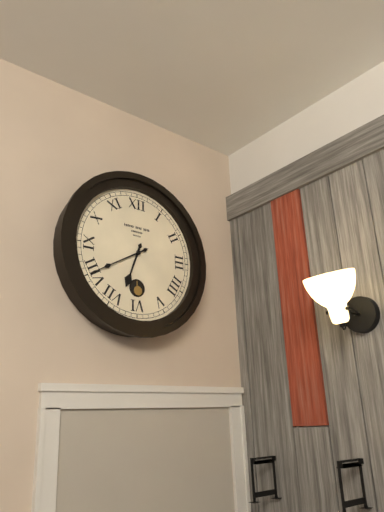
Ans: 6:40
